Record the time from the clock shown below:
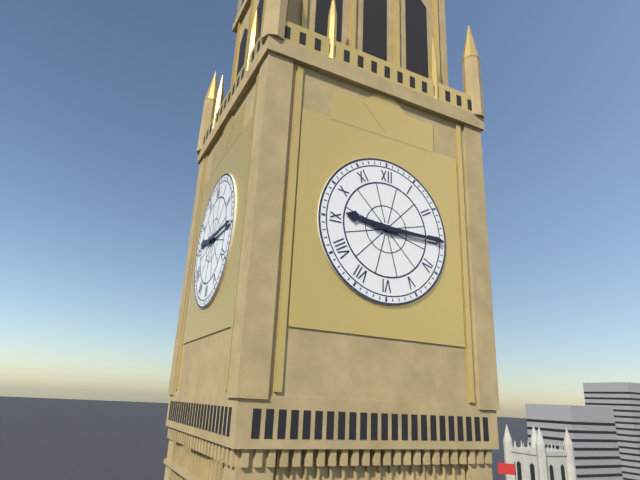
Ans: 9:15
